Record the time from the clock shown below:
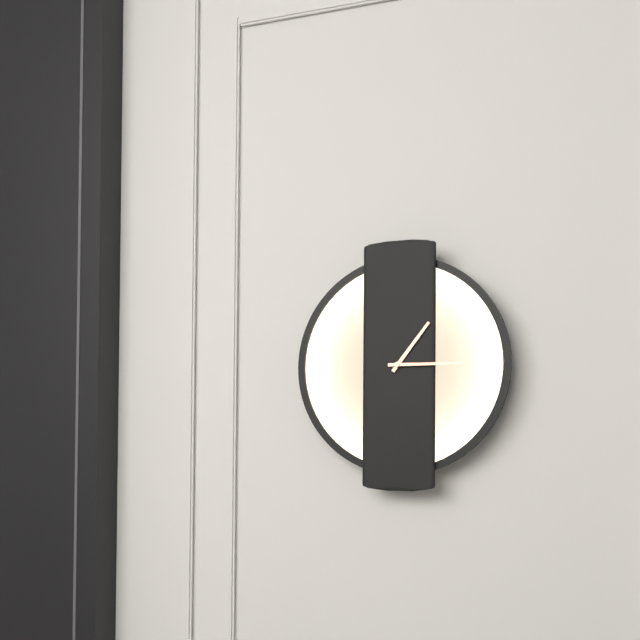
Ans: 1:15
